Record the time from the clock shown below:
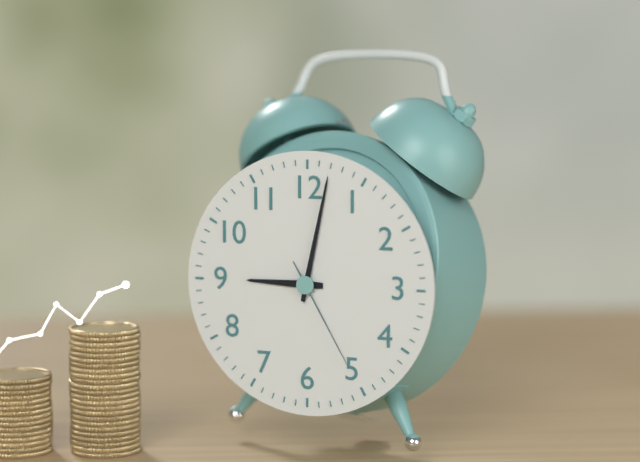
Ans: 9:02:25
